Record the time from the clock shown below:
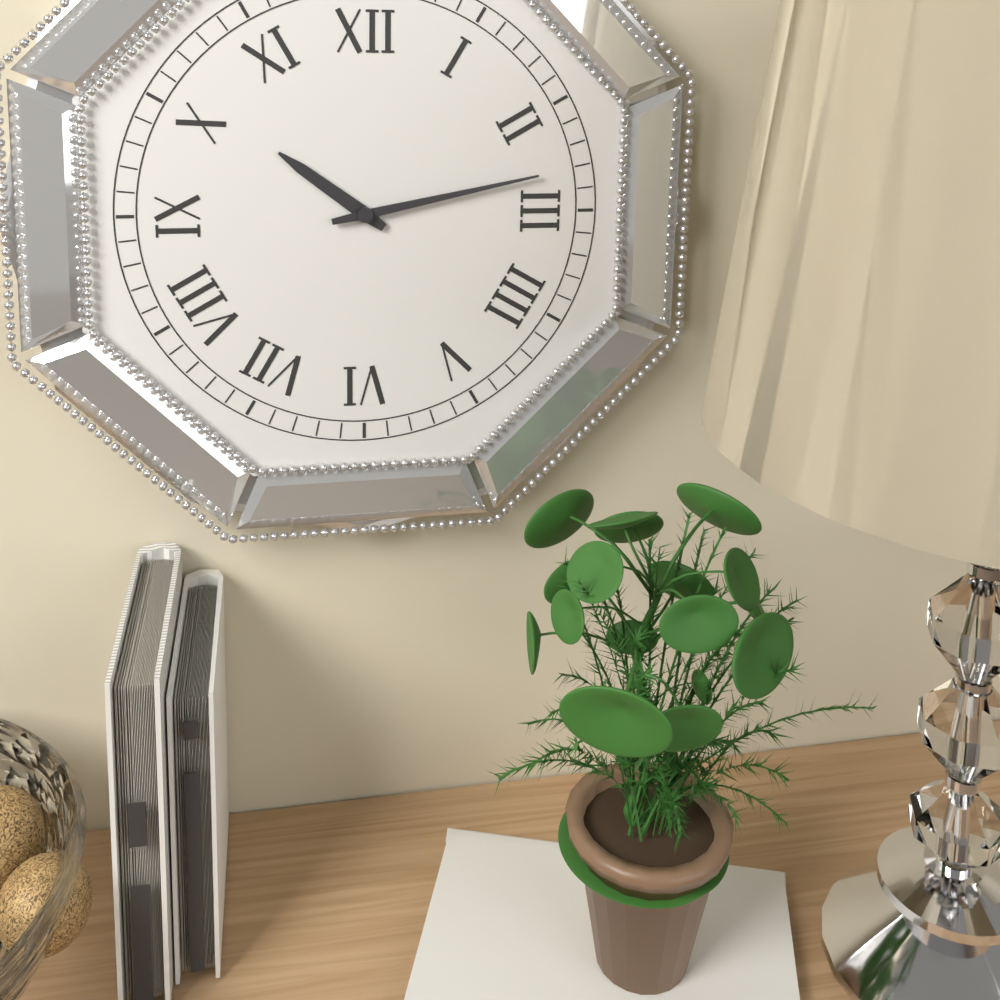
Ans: 10:13
